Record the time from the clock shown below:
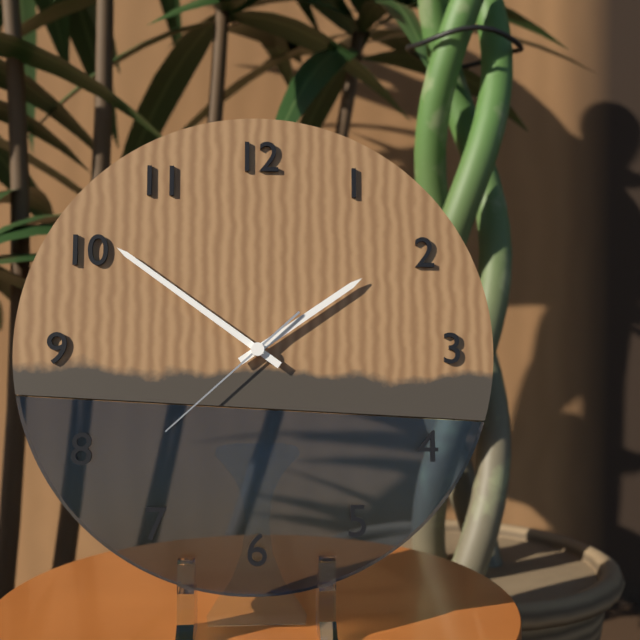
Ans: 1:51:38
